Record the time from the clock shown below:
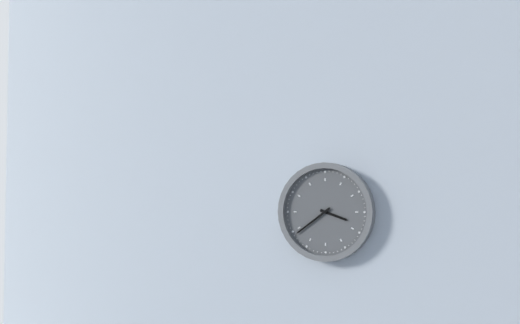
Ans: 3:39
